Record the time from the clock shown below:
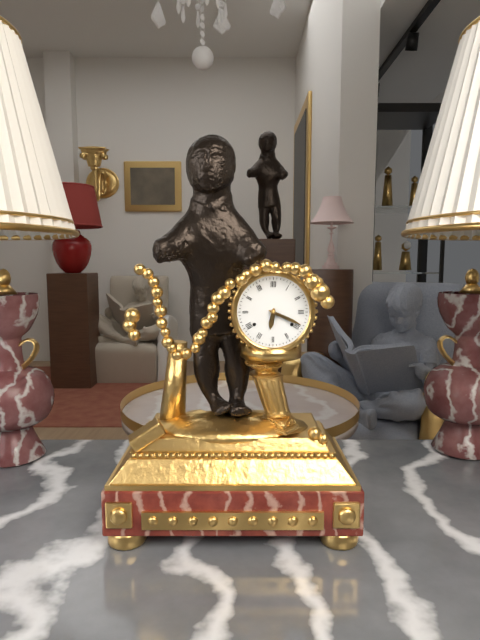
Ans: 6:19
